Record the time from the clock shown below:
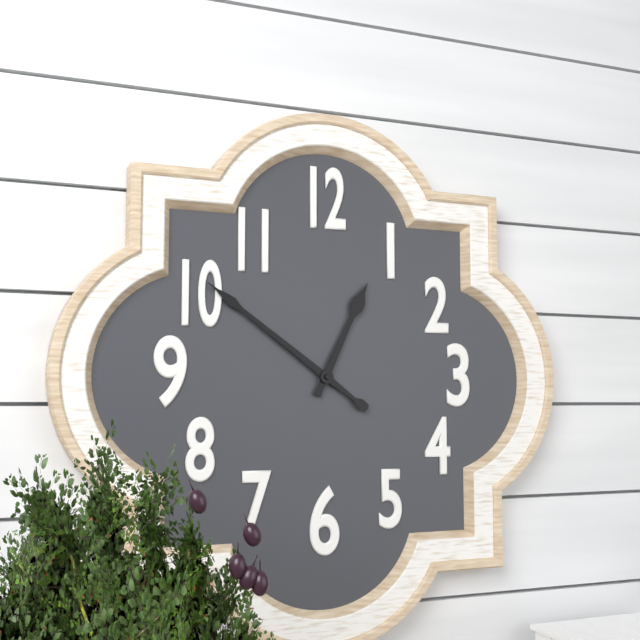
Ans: 12:51
